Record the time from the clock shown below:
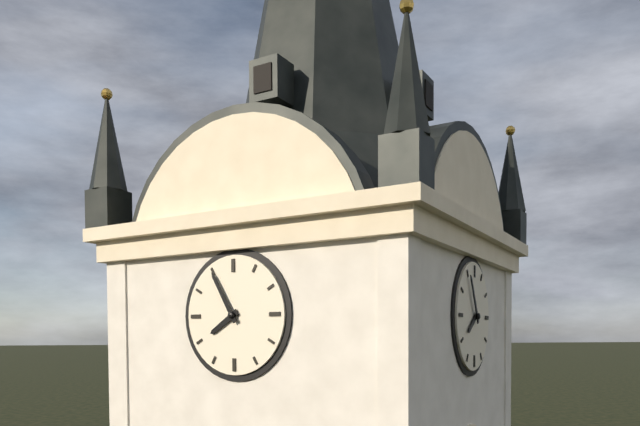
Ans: 7:55
